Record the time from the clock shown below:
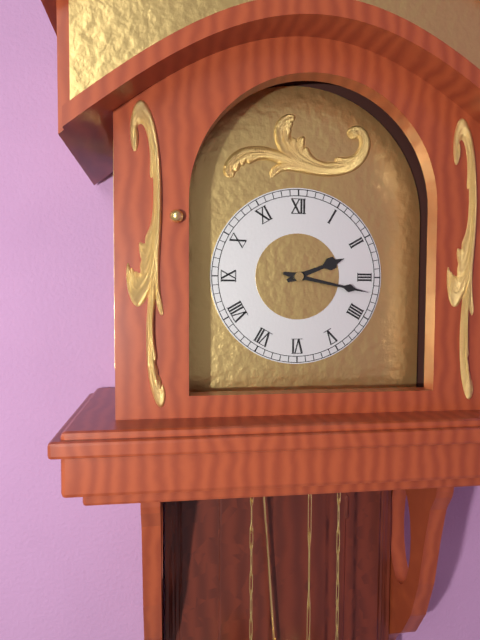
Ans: 2:17
